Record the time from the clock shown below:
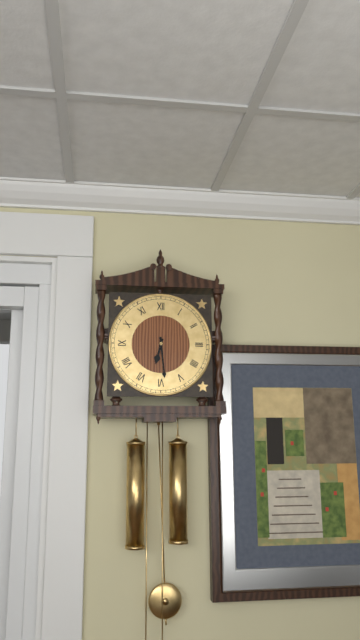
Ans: 6:29
